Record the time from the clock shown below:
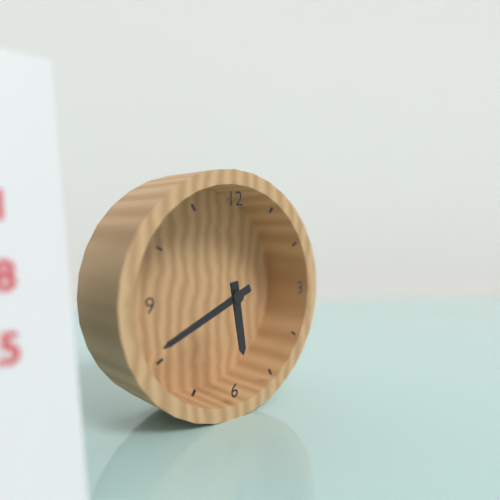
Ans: 5:41
